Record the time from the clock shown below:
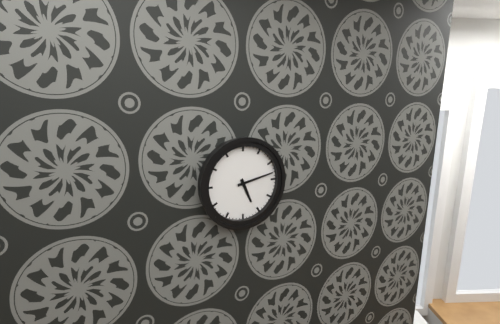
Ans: 5:13
